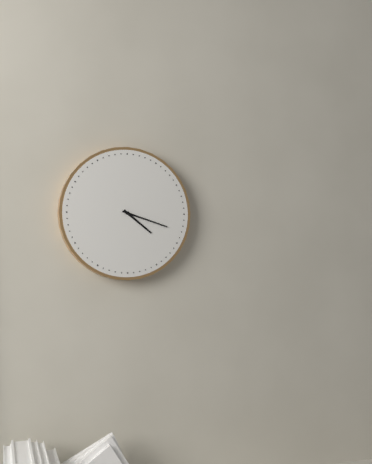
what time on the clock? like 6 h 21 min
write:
4 h 18 min
